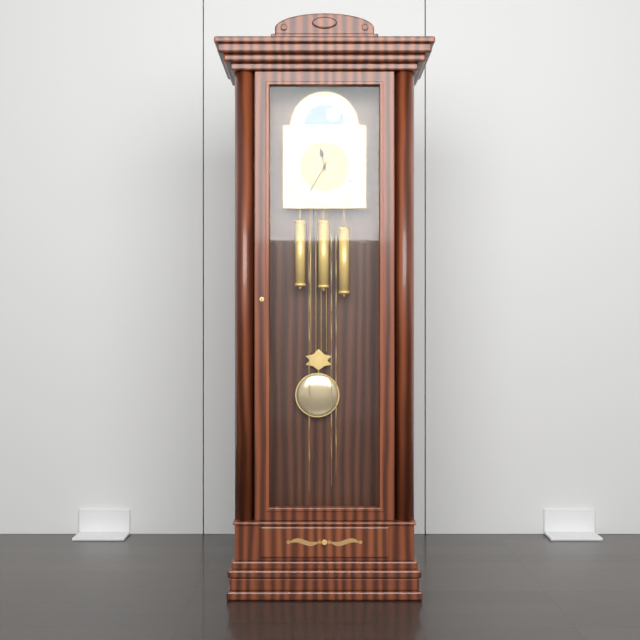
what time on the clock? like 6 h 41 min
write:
11 h 35 min
